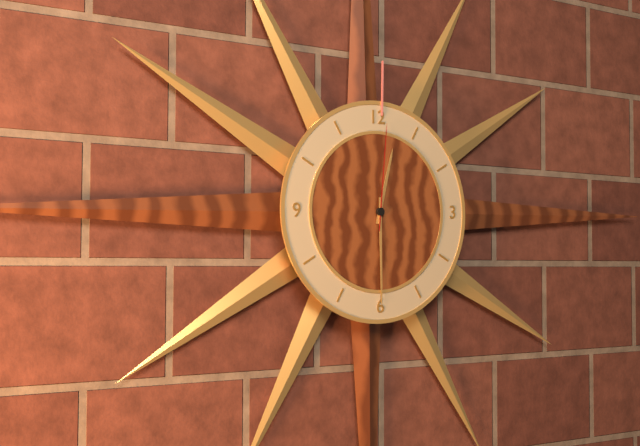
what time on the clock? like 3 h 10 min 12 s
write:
12 h 30 min 01 s
